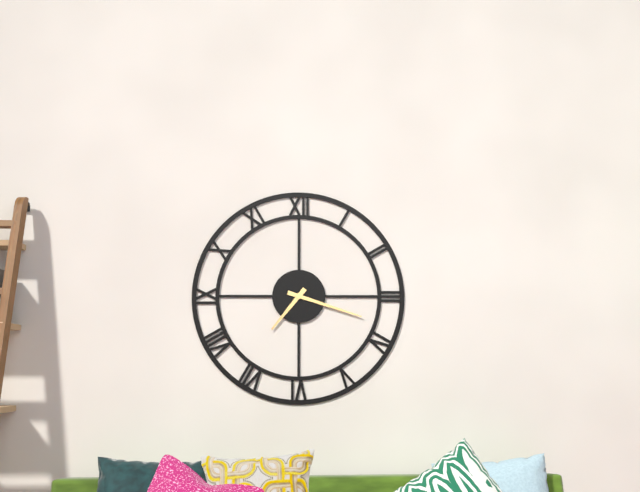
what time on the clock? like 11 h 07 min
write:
7 h 18 min
